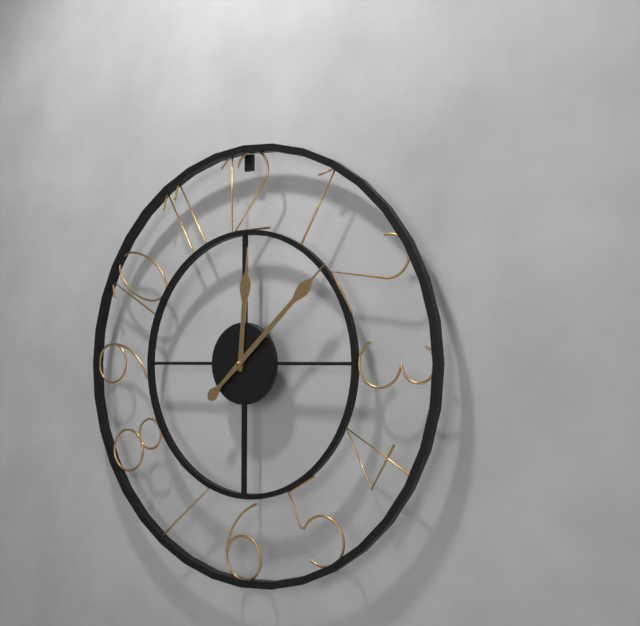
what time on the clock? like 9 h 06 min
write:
12 h 08 min
